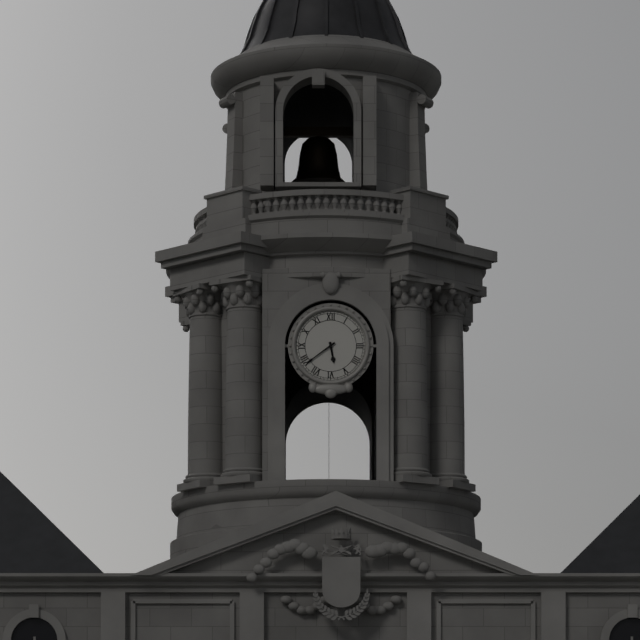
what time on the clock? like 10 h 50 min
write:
5 h 39 min
